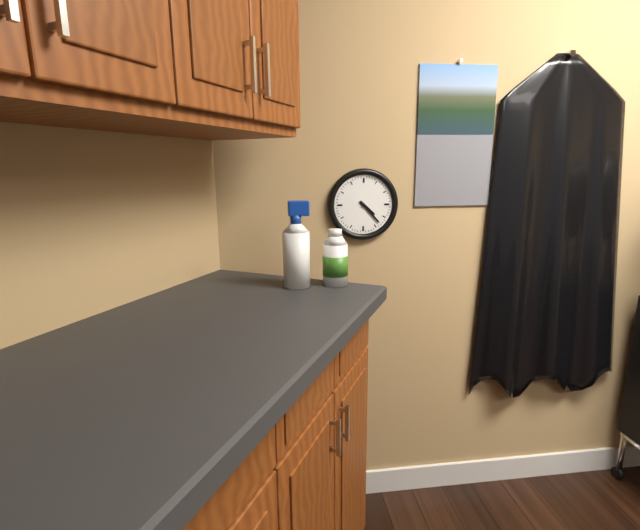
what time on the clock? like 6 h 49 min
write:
4 h 23 min
